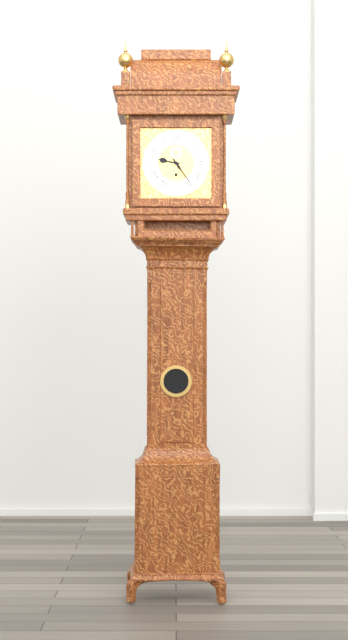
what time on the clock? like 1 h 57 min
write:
9 h 24 min
